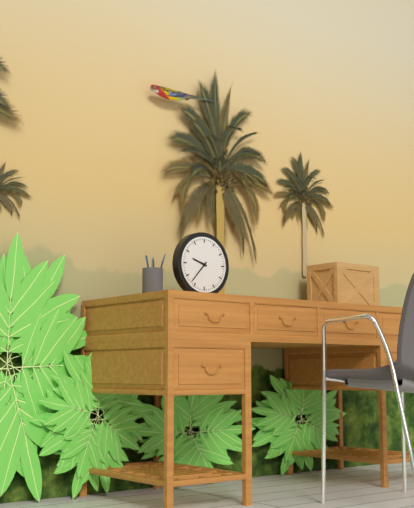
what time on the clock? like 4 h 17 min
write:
9 h 37 min
